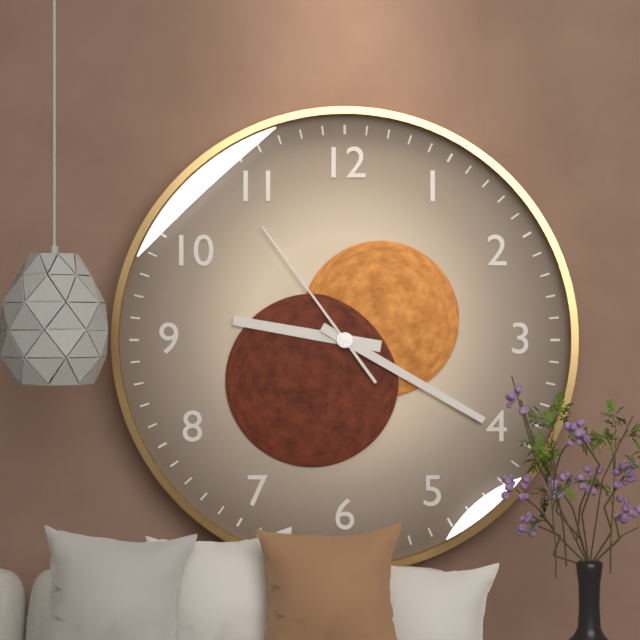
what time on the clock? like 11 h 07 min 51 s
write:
9 h 20 min 54 s
